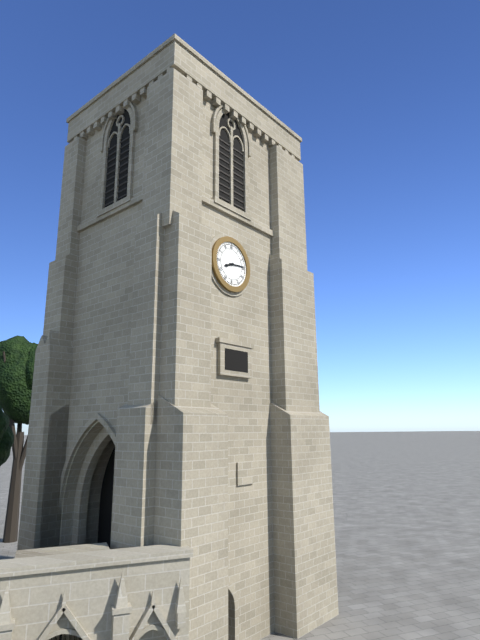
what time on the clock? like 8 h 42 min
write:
8 h 14 min
